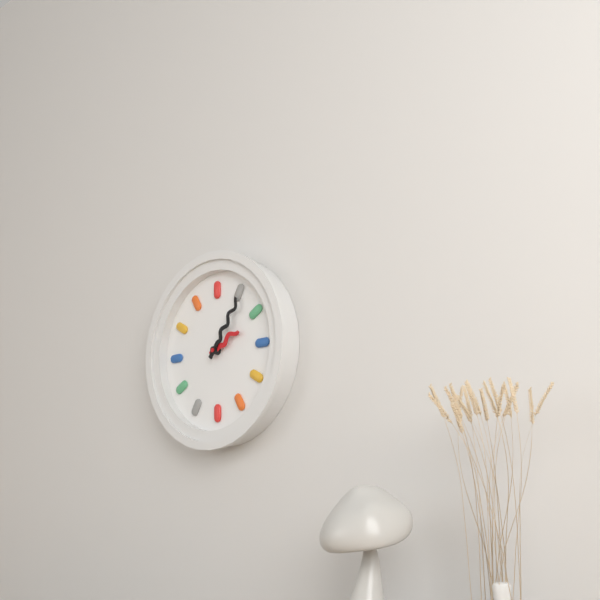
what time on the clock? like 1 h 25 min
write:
2 h 06 min
